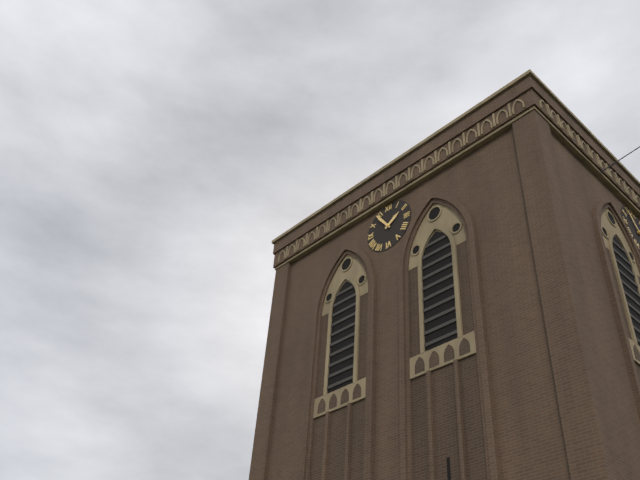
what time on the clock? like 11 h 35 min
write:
1 h 54 min
